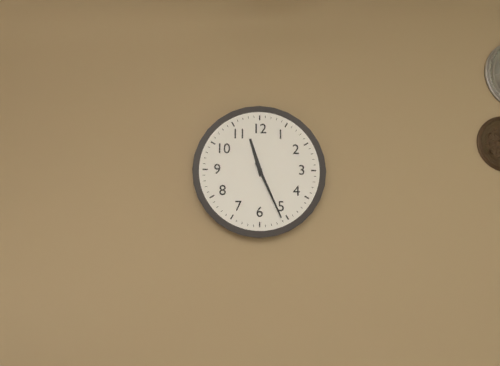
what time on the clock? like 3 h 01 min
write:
11 h 26 min
